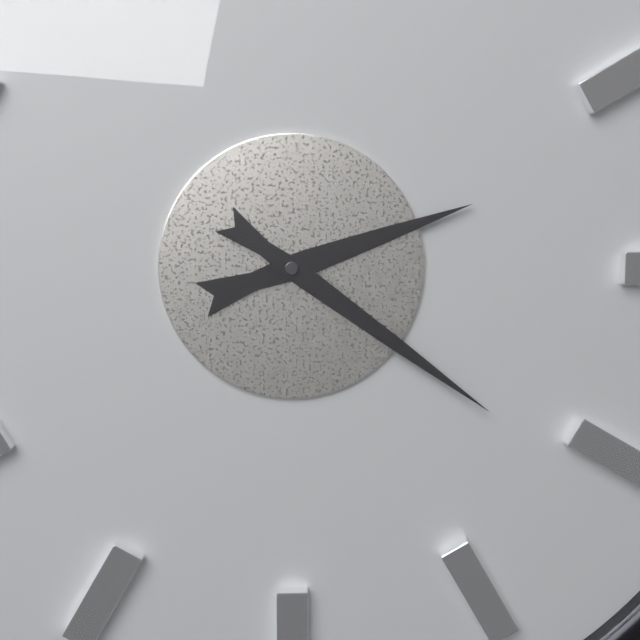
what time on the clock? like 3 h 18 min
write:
2 h 21 min
